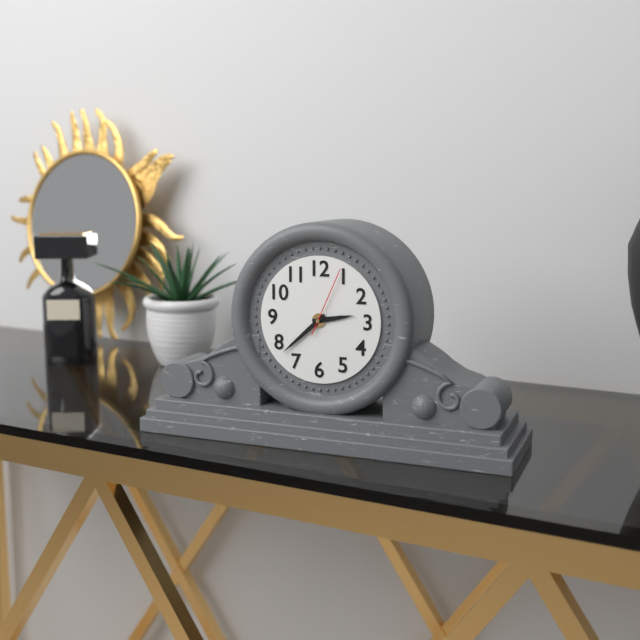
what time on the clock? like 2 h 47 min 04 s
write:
2 h 38 min 04 s
